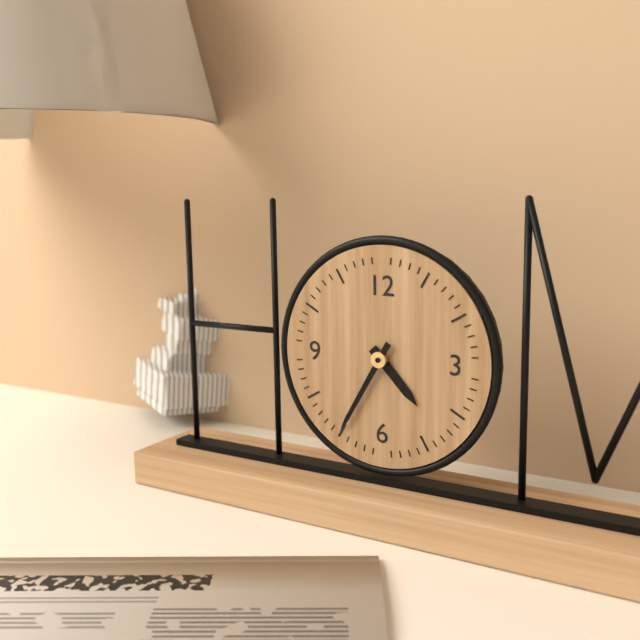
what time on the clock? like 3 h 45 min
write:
4 h 35 min
